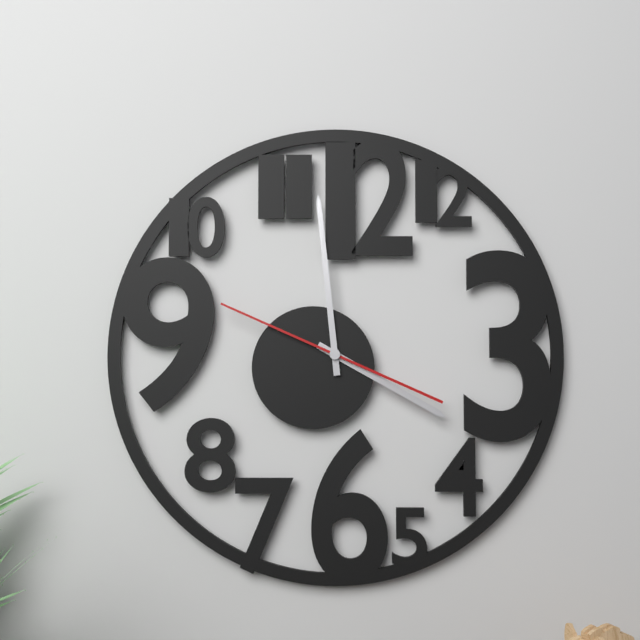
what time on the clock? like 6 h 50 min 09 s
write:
3 h 59 min 49 s
